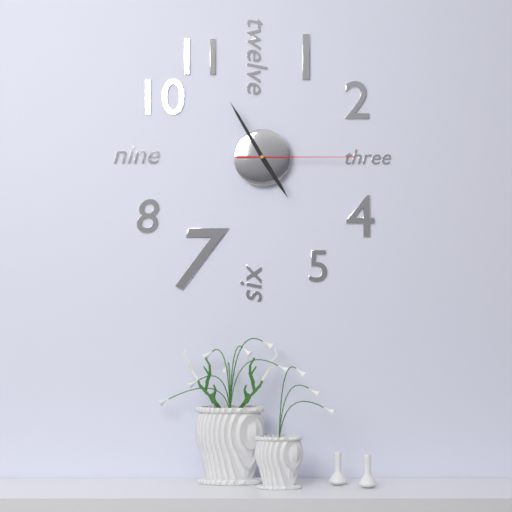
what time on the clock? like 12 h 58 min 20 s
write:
4 h 55 min 15 s
